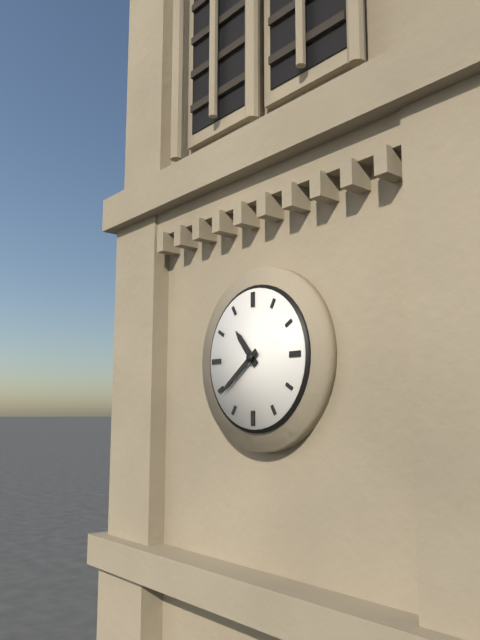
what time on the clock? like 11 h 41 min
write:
10 h 39 min
